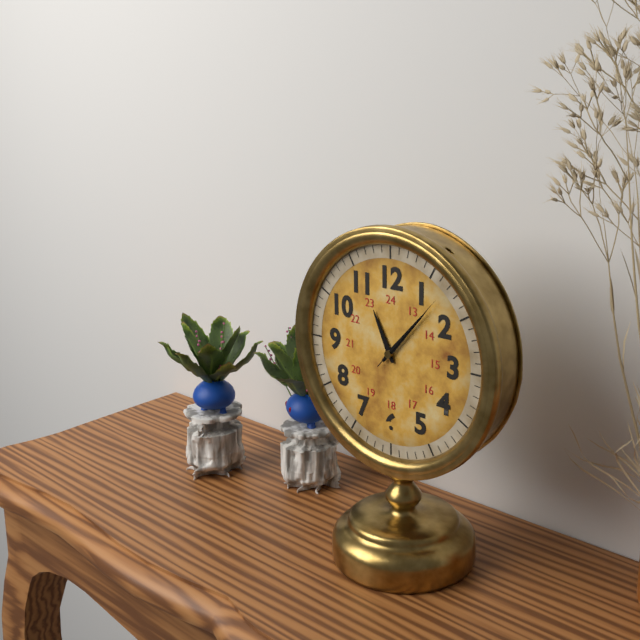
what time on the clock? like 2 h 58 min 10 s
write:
11 h 07 min 07 s
